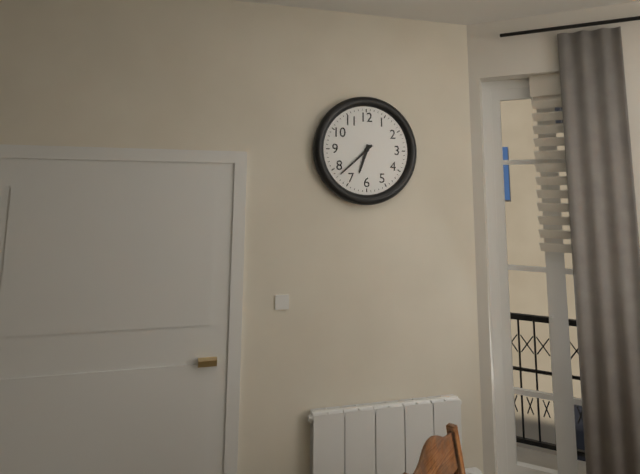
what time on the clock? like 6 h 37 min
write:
6 h 38 min
